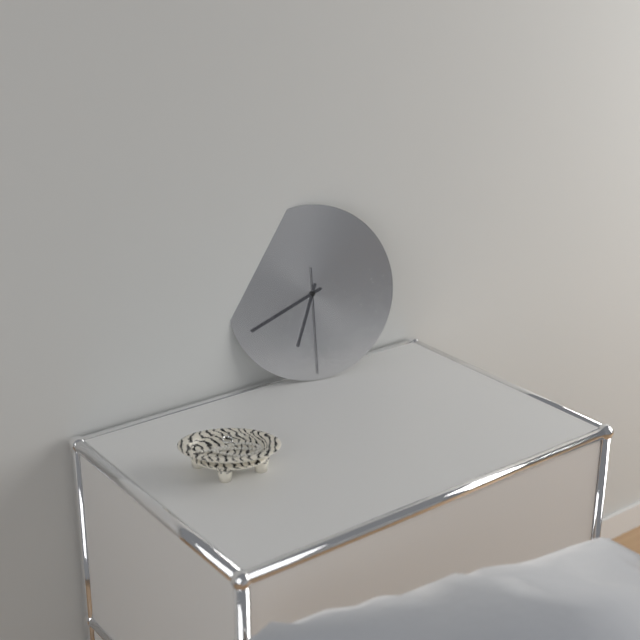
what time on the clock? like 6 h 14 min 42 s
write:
6 h 41 min 30 s
